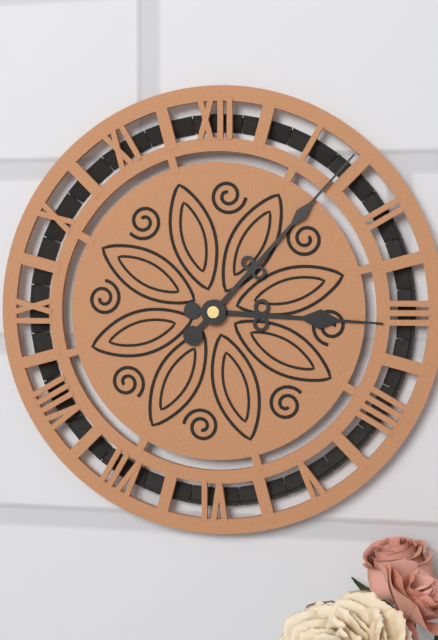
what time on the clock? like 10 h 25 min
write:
3 h 07 min
